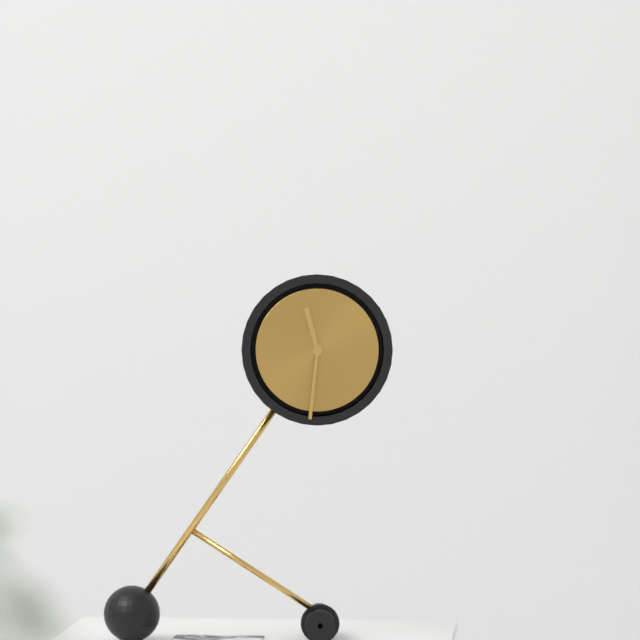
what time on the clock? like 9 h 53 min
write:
11 h 31 min
